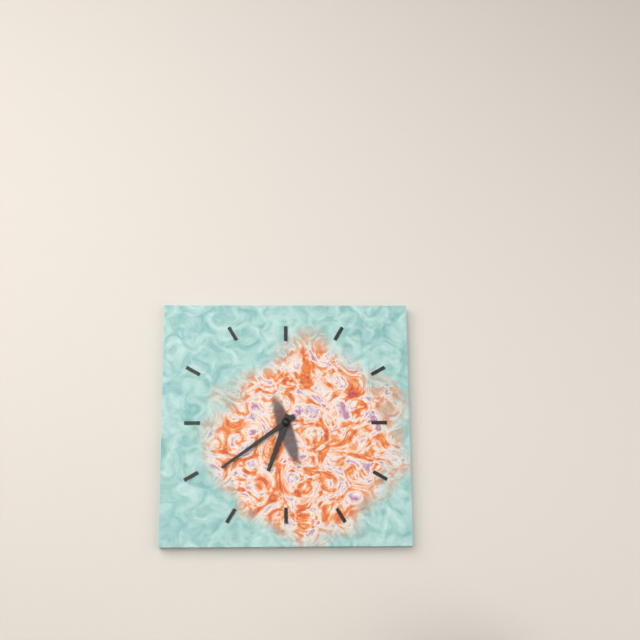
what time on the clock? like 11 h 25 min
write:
6 h 39 min
